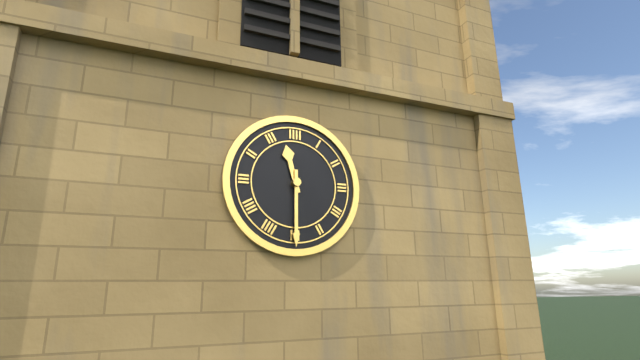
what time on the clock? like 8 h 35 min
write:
11 h 30 min
